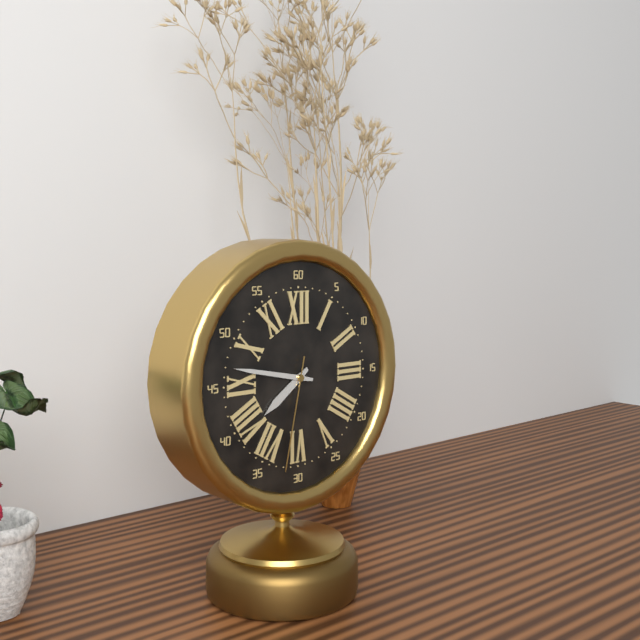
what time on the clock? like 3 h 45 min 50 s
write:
7 h 47 min 32 s
